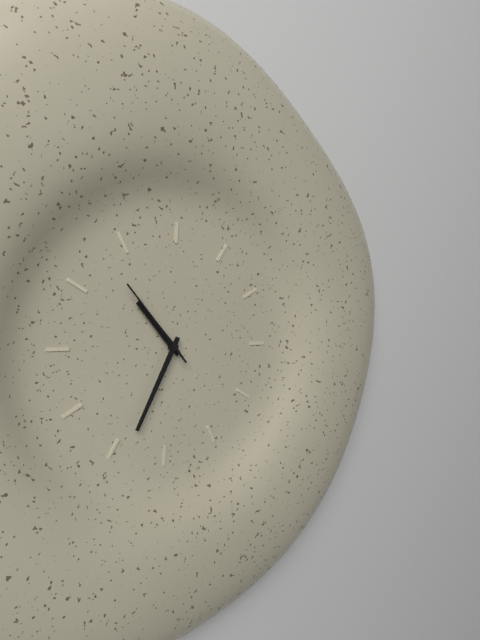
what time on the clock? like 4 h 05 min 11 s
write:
10 h 34 min 53 s
